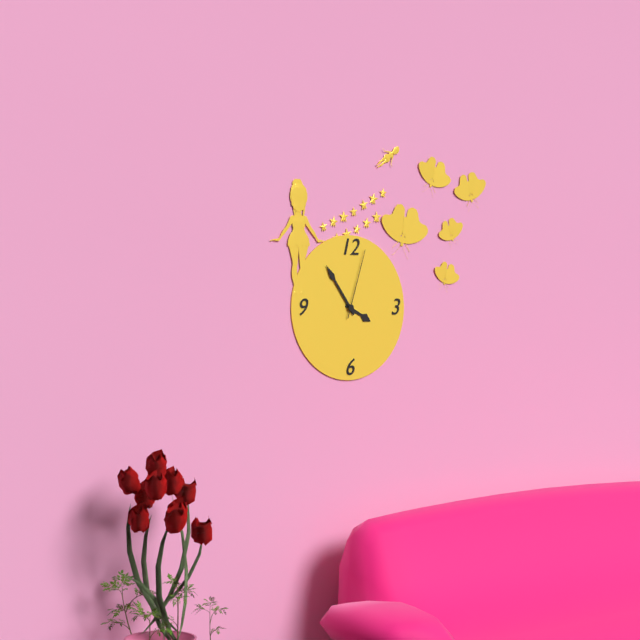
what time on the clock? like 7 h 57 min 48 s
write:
3 h 54 min 03 s
